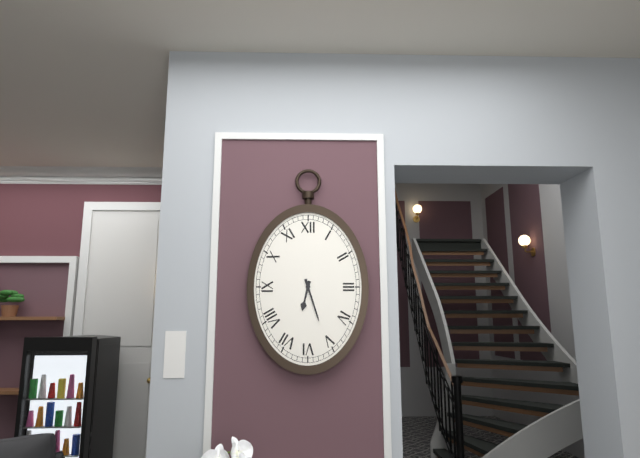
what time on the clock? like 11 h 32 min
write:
6 h 27 min
